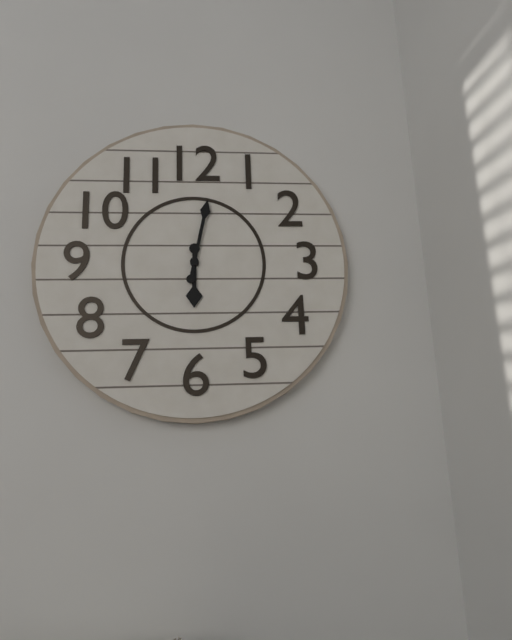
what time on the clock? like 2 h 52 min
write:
6 h 02 min
